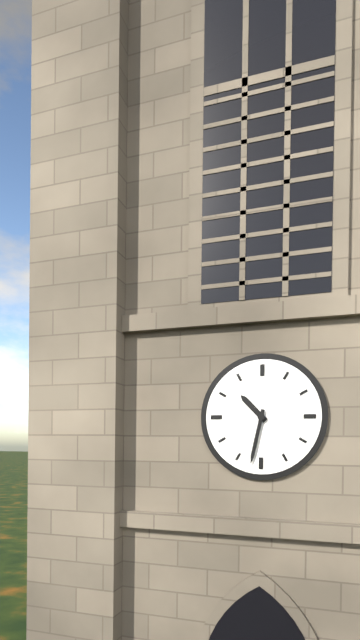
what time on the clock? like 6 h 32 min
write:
10 h 32 min
